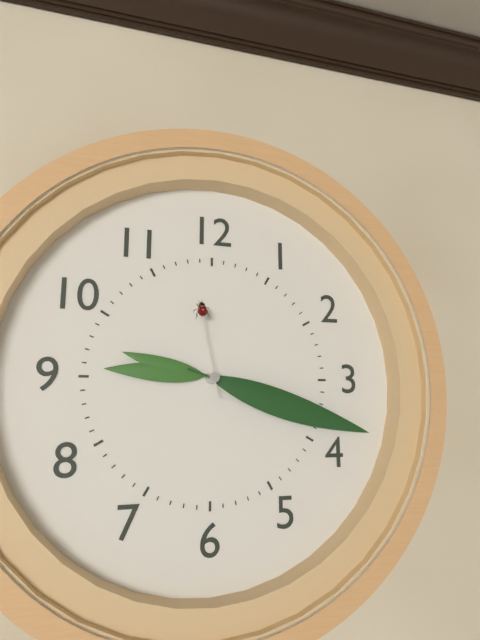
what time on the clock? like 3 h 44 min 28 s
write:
9 h 18 min 58 s
